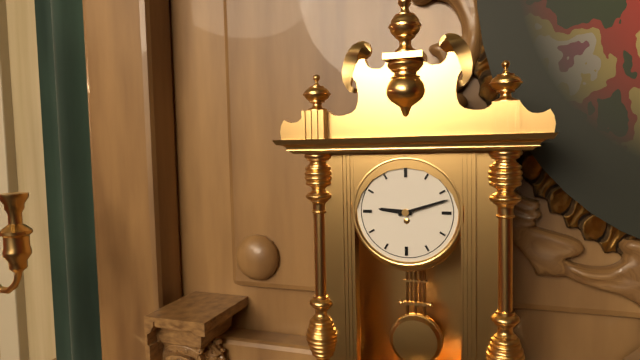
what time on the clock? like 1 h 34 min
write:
9 h 12 min
